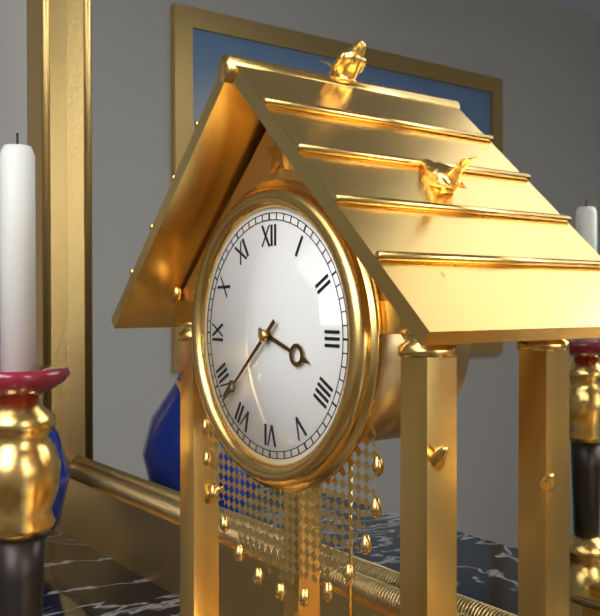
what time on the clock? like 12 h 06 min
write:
3 h 38 min
